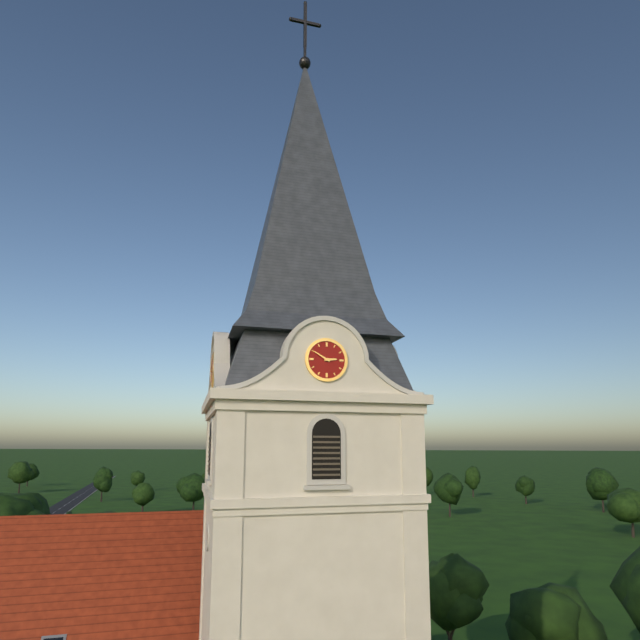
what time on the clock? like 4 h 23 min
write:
2 h 50 min
